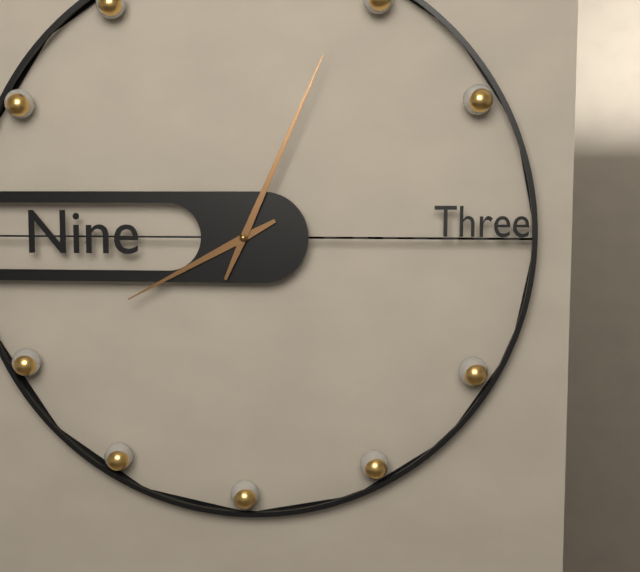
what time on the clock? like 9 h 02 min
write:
8 h 04 min
